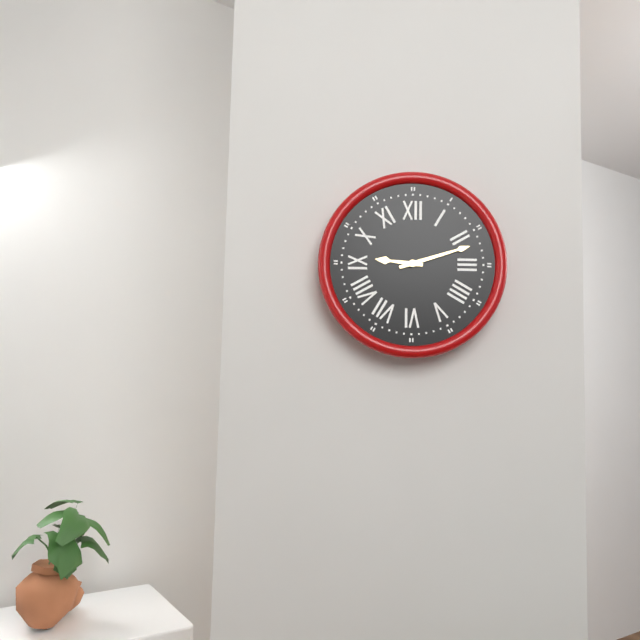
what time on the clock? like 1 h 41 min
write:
9 h 12 min
